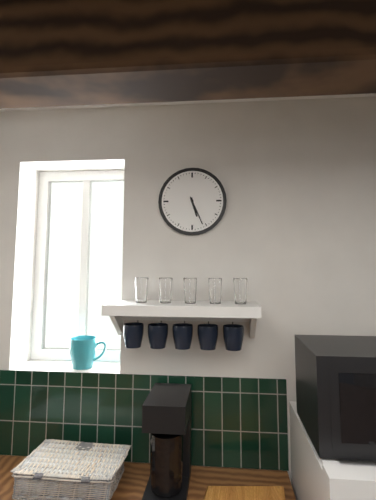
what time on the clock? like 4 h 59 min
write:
5 h 26 min
